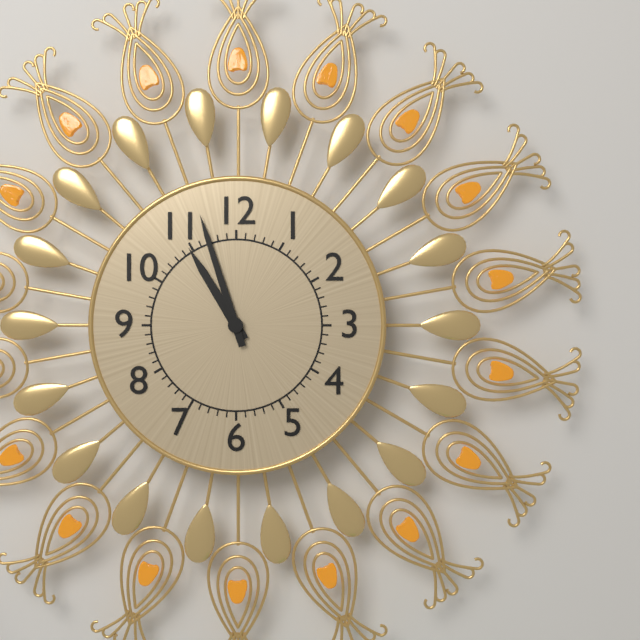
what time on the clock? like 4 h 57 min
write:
10 h 57 min
